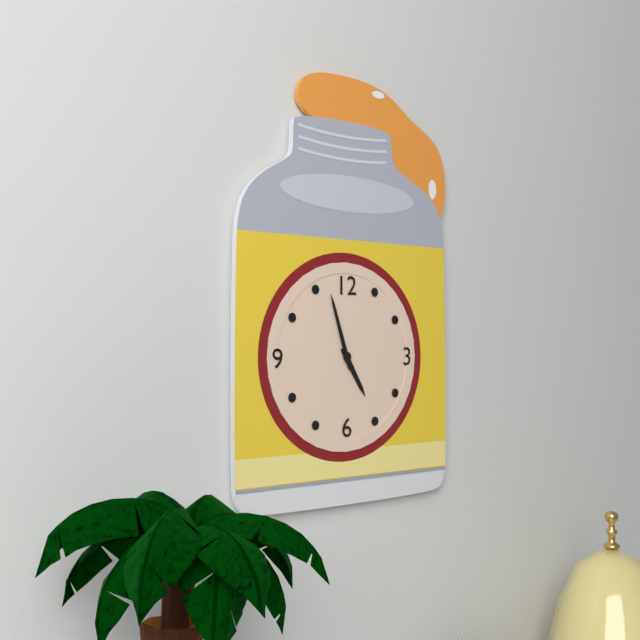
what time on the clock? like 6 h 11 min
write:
4 h 57 min
